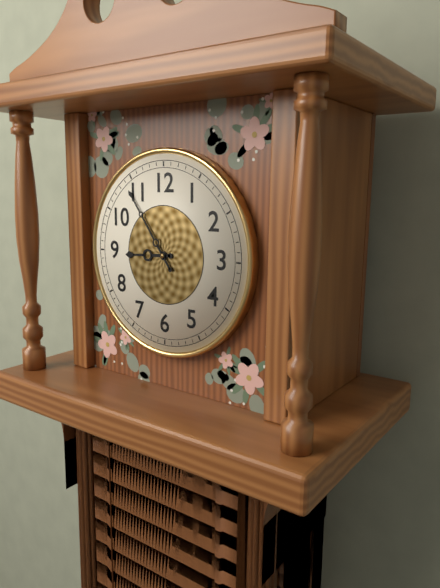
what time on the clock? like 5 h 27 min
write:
8 h 54 min
